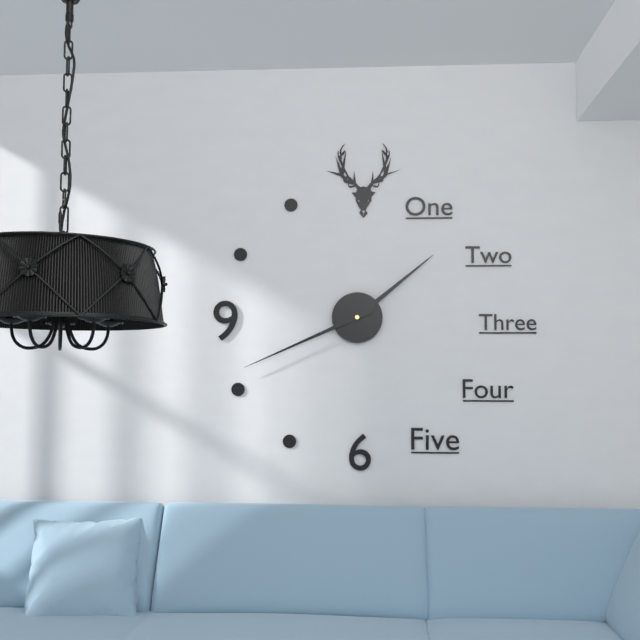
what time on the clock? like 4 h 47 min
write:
1 h 41 min
